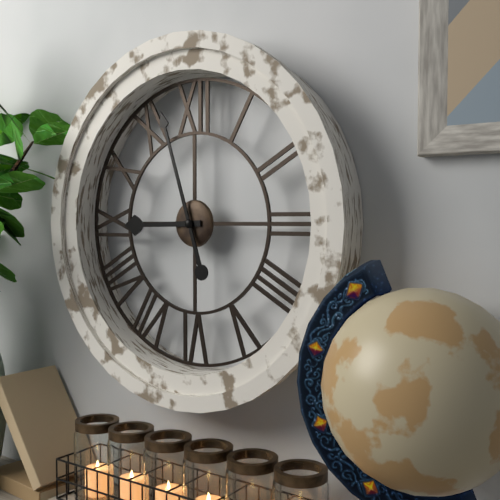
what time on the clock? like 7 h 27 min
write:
8 h 57 min
